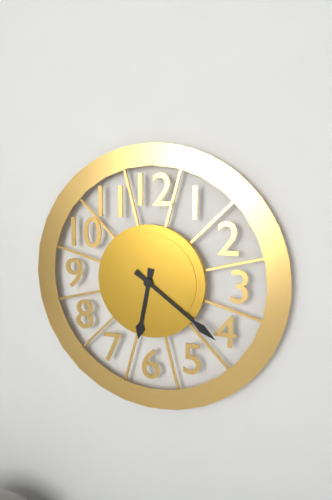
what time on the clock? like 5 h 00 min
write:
6 h 21 min
